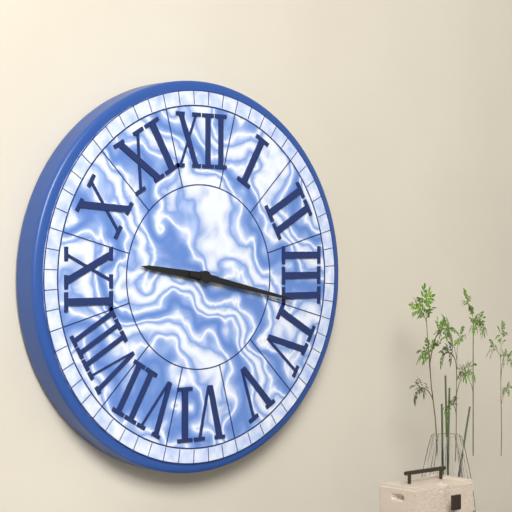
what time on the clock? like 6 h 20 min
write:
9 h 17 min
